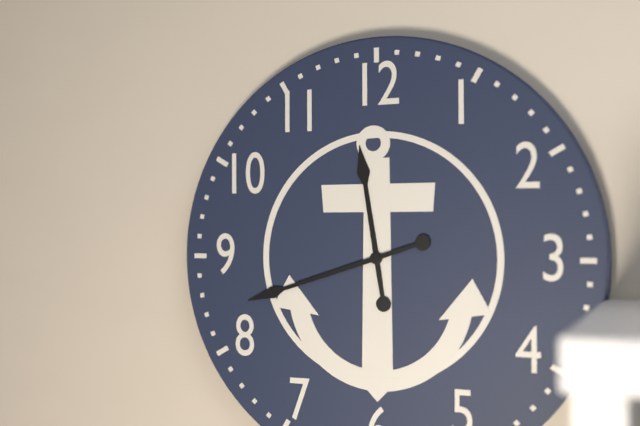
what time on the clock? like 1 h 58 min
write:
11 h 42 min
